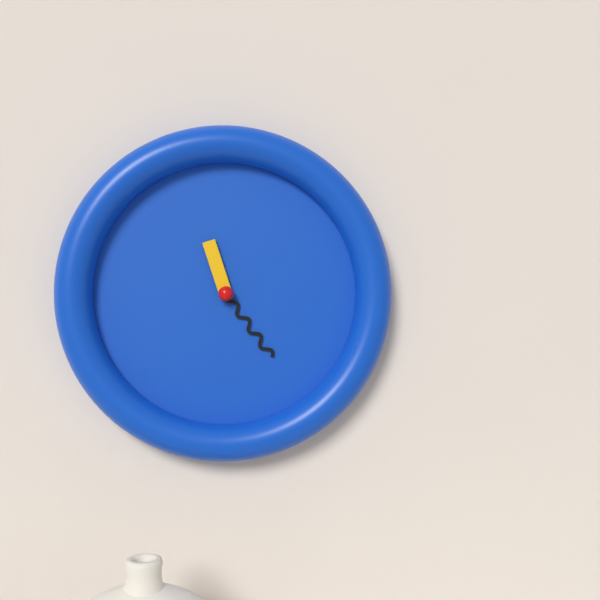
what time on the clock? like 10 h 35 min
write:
11 h 24 min
